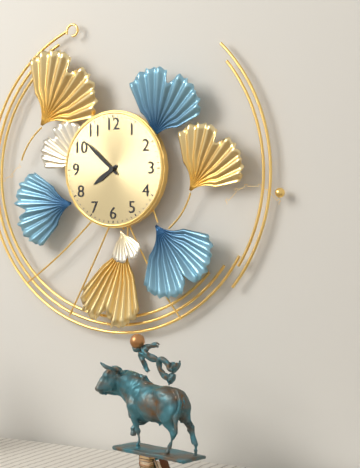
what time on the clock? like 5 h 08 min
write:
7 h 52 min
